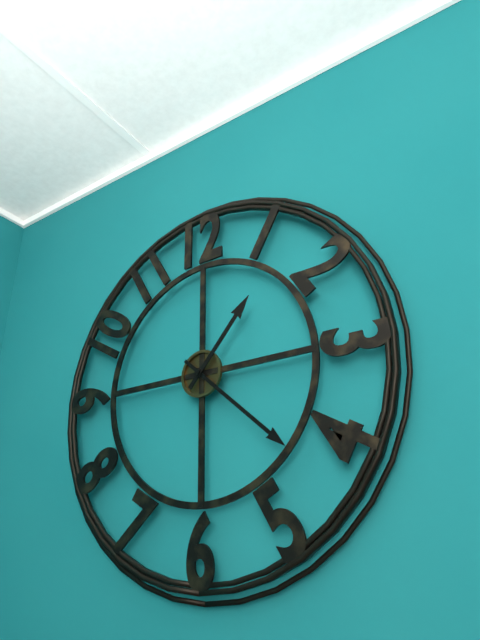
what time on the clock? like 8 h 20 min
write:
1 h 22 min
